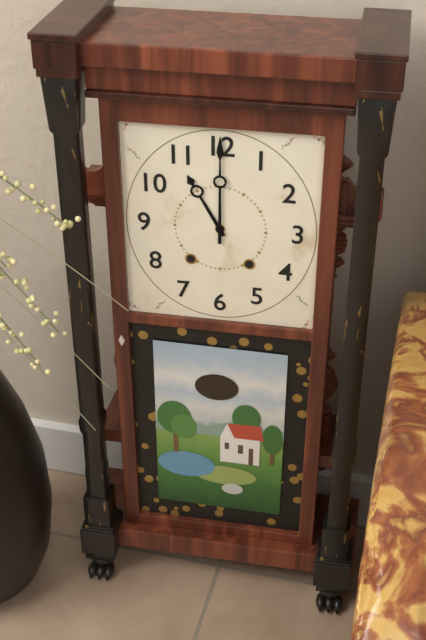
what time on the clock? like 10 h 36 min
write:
11 h 00 min
